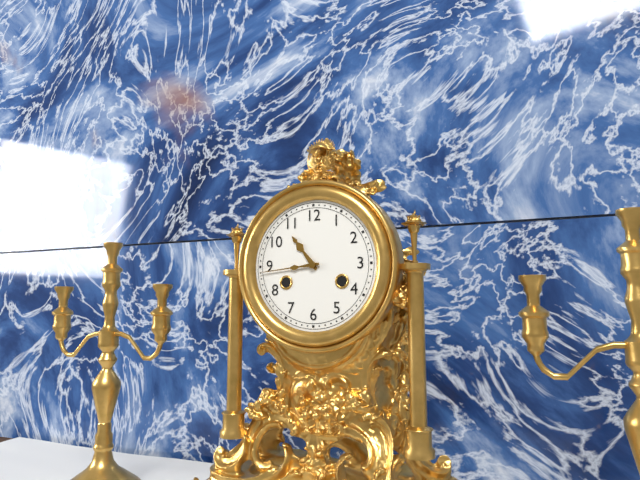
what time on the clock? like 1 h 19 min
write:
10 h 44 min
